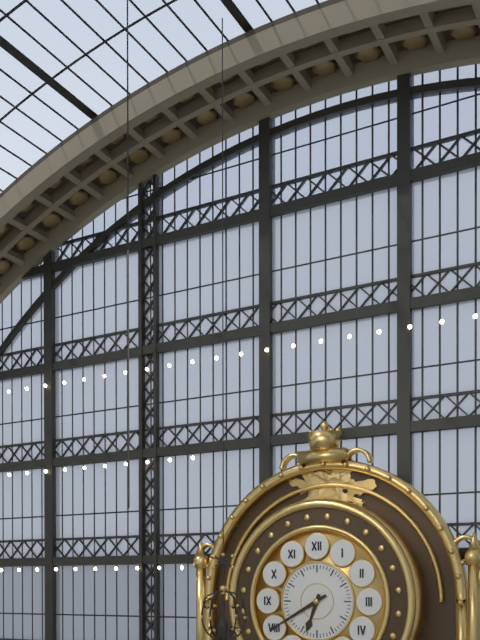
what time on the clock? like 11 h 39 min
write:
6 h 40 min
